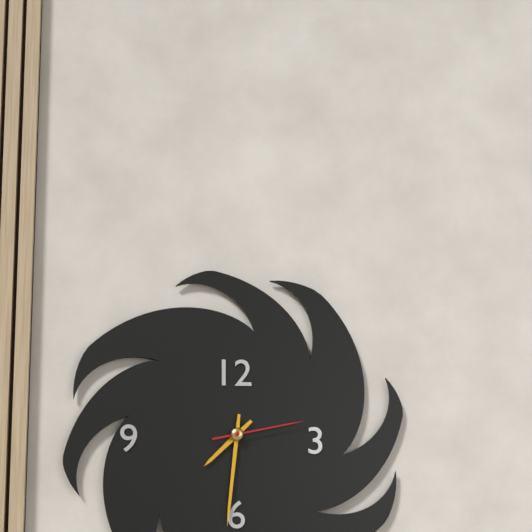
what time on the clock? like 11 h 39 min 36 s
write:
7 h 31 min 13 s
